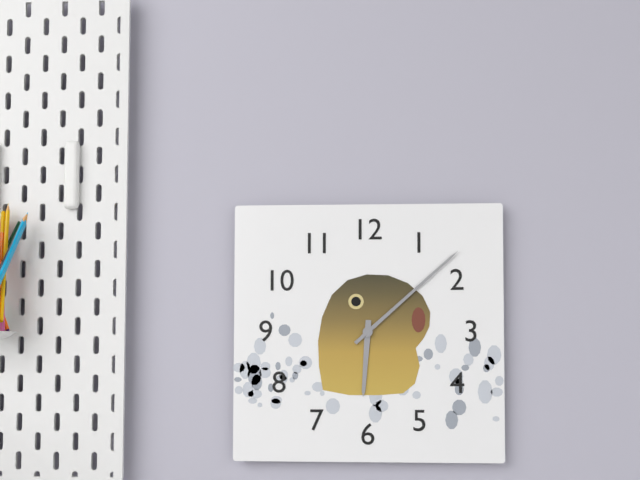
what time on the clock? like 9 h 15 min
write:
6 h 08 min
